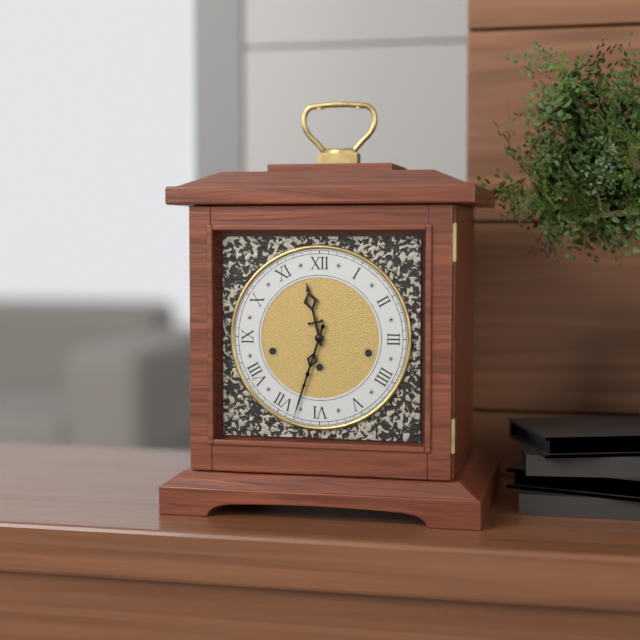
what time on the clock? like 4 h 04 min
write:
11 h 33 min
